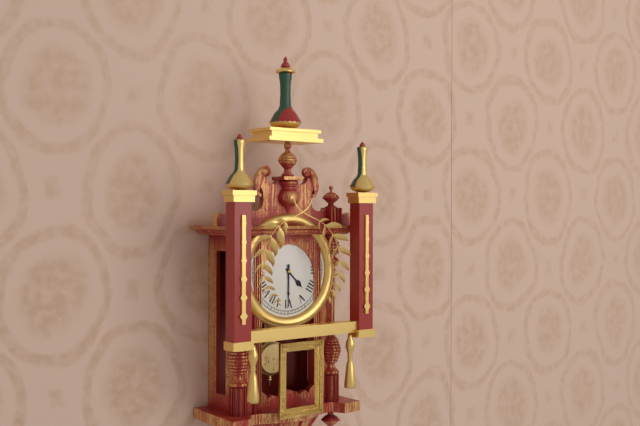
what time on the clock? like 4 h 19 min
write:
4 h 30 min
